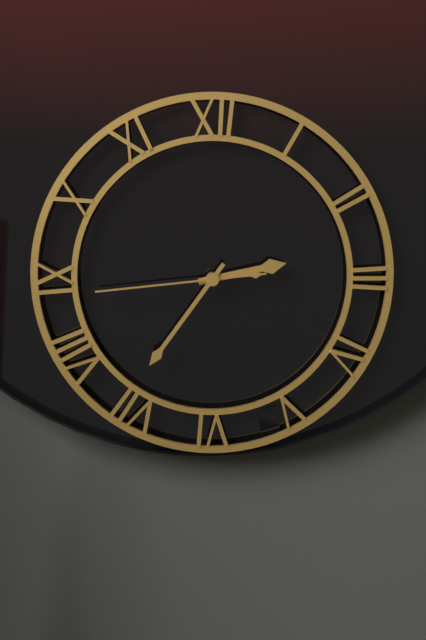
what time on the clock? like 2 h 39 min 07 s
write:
2 h 36 min 44 s
